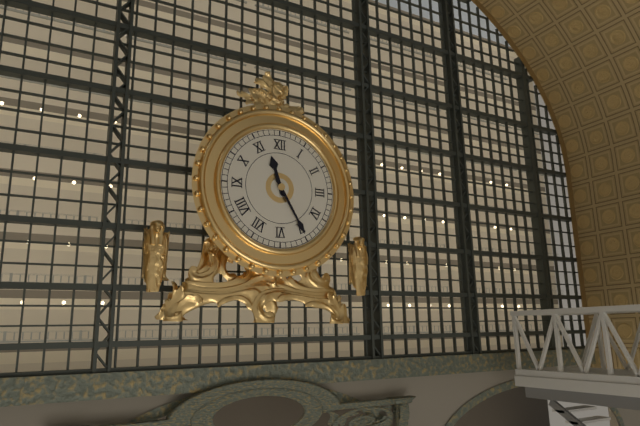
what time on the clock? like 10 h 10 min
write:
11 h 25 min
